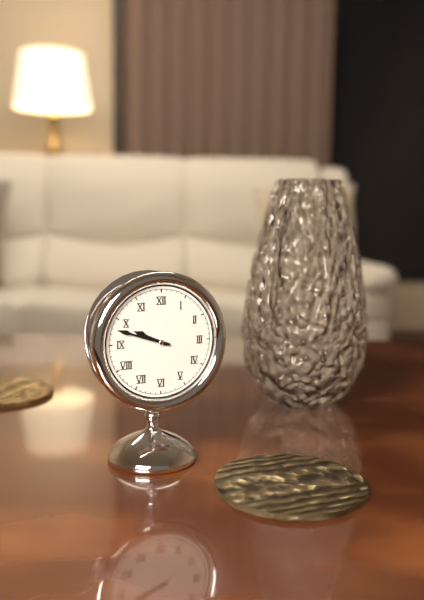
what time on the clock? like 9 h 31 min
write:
9 h 48 min
